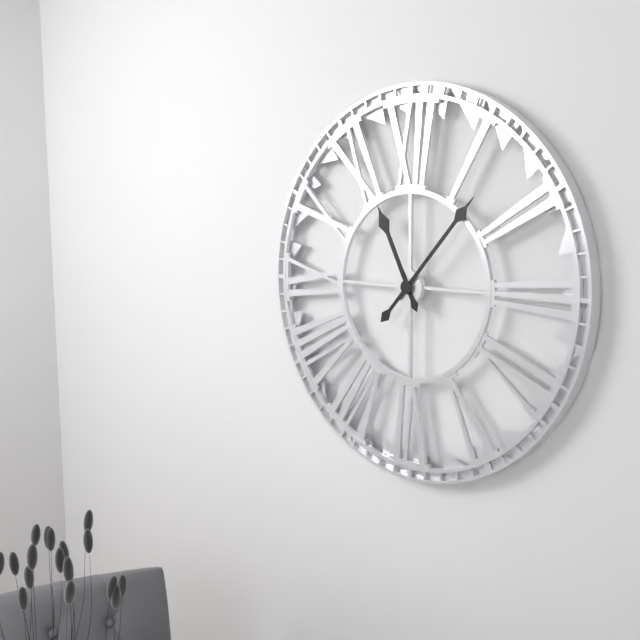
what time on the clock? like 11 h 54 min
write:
11 h 07 min
